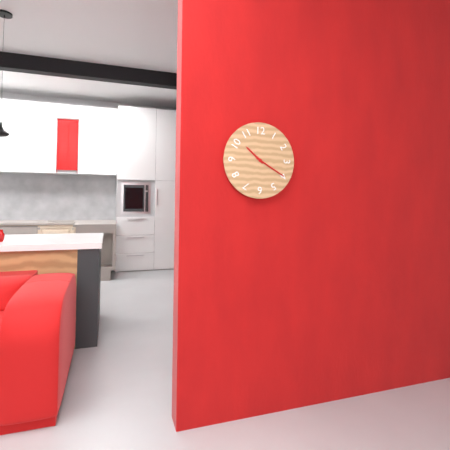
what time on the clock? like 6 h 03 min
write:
10 h 20 min
